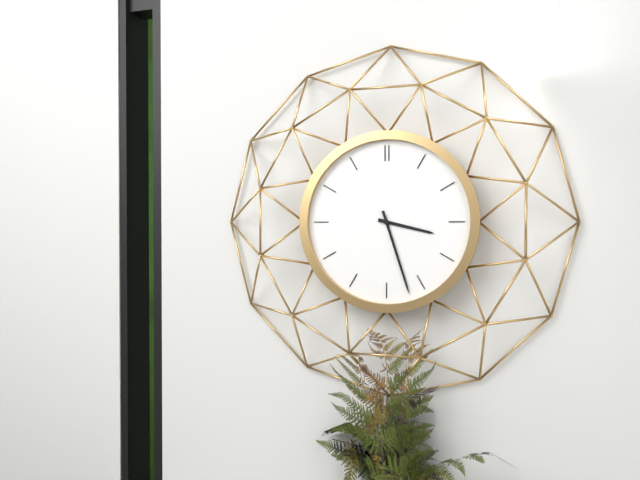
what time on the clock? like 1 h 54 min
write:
3 h 27 min
